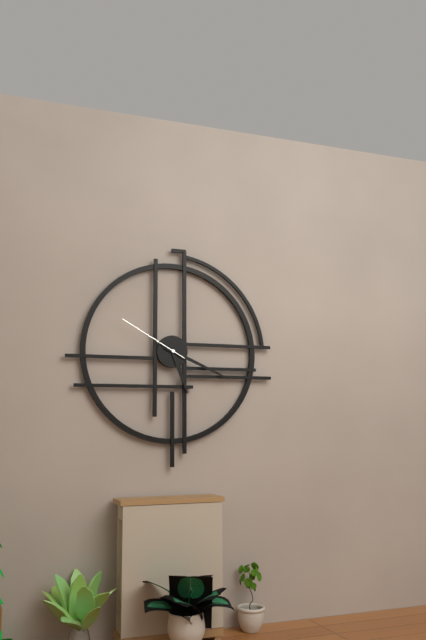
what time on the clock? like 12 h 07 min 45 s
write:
5 h 19 min 50 s
